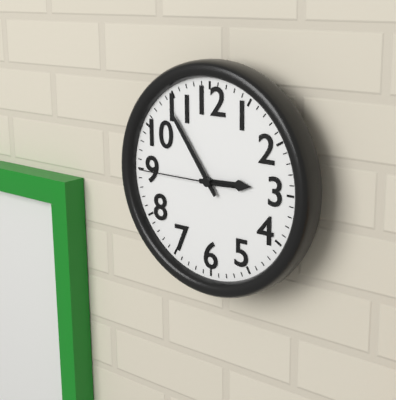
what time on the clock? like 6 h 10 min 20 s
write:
2 h 54 min 45 s
